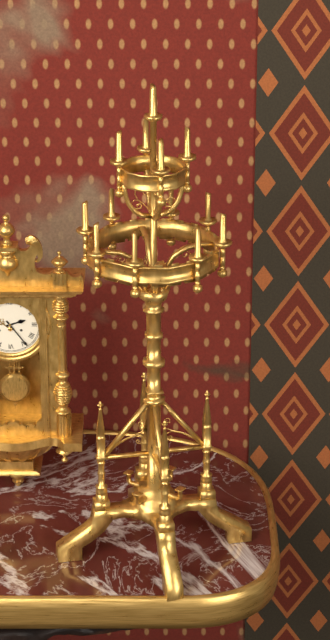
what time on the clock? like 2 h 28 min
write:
2 h 24 min
